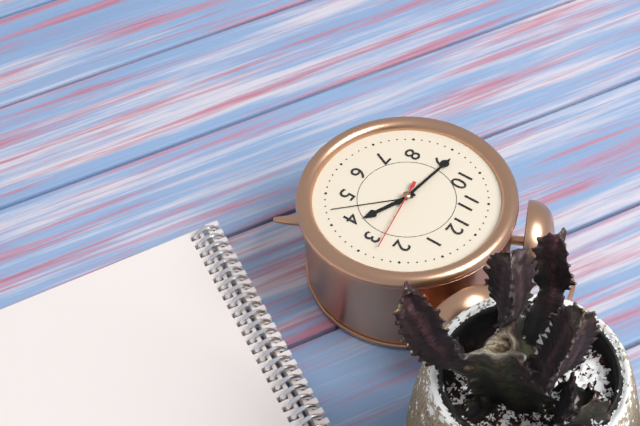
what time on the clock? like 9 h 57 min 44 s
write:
3 h 46 min 13 s
